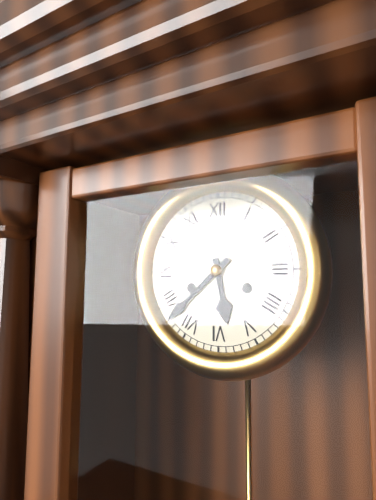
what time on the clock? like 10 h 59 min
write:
5 h 38 min
